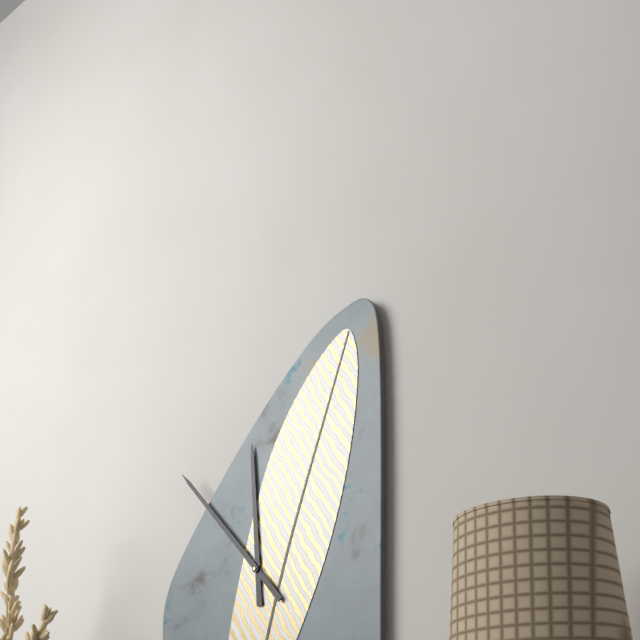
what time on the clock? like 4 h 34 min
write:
11 h 53 min
